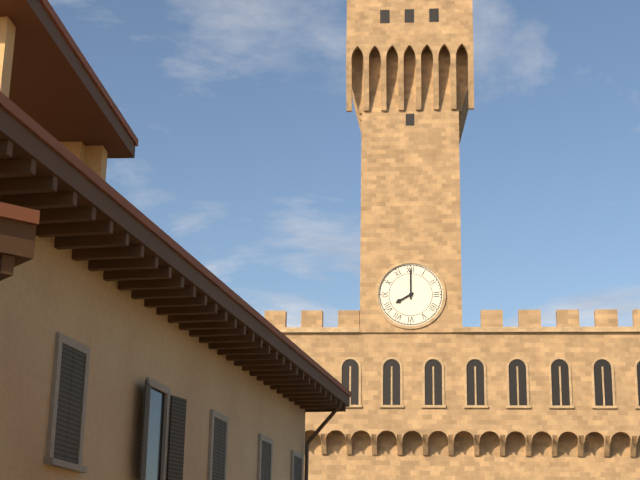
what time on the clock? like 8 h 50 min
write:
8 h 00 min
